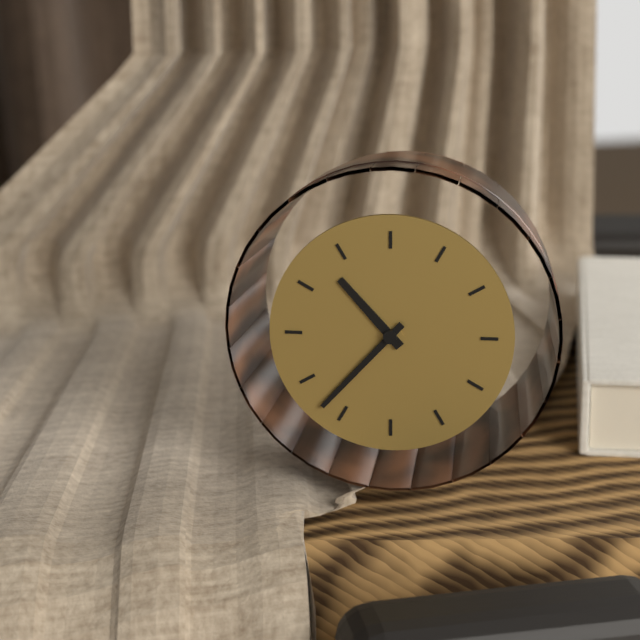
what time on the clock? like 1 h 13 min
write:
10 h 37 min
